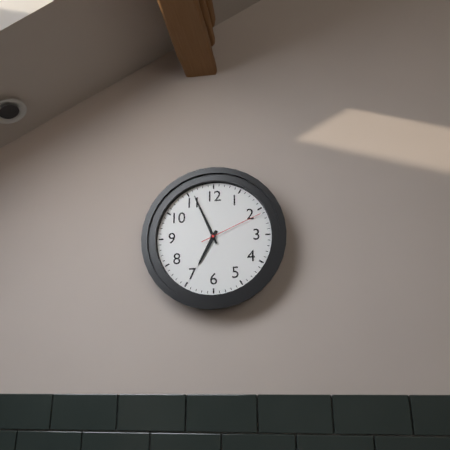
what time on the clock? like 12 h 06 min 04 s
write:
6 h 56 min 11 s
